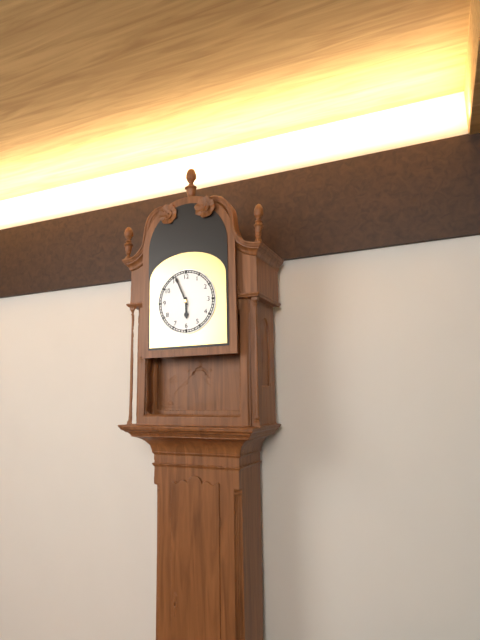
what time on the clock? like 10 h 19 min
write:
5 h 56 min
